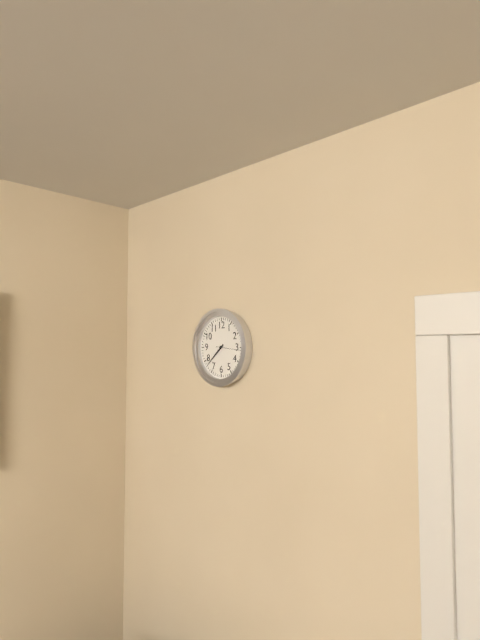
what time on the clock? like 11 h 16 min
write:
7 h 38 min
